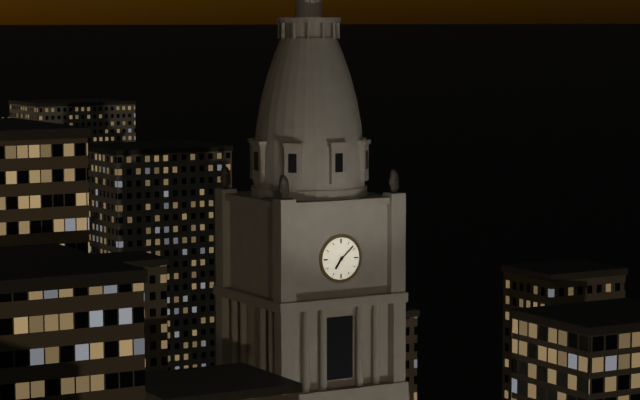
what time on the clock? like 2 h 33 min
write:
7 h 08 min
